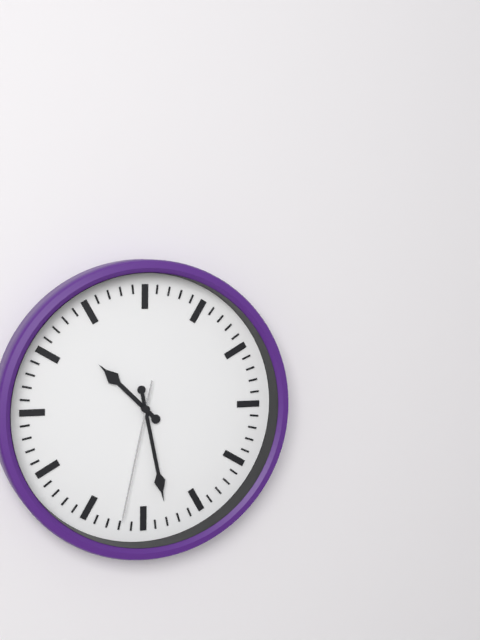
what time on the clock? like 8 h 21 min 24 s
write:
10 h 28 min 32 s
